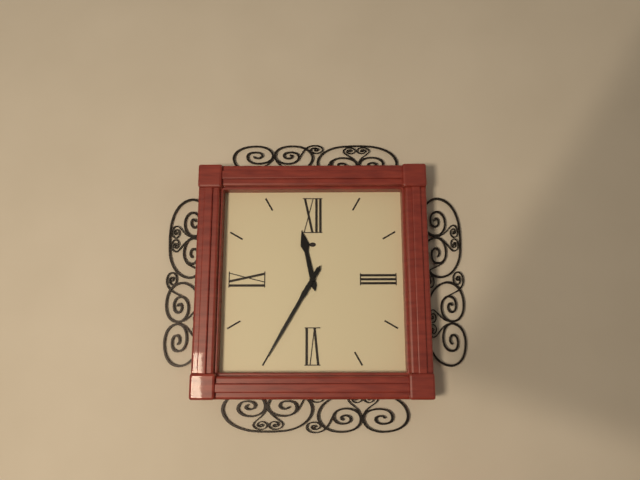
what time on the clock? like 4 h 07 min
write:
11 h 35 min
